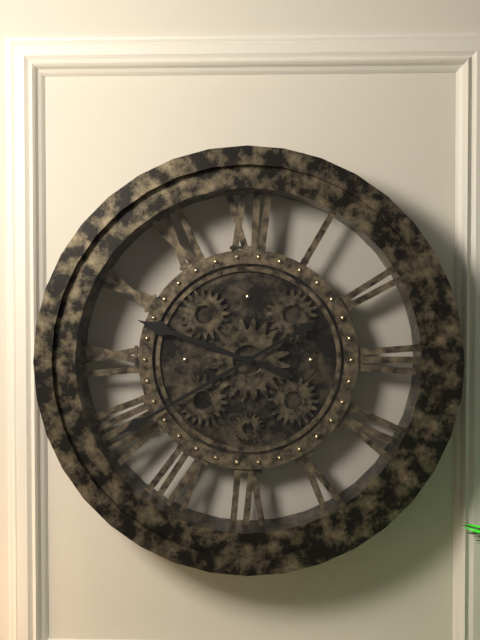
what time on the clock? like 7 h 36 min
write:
9 h 40 min
